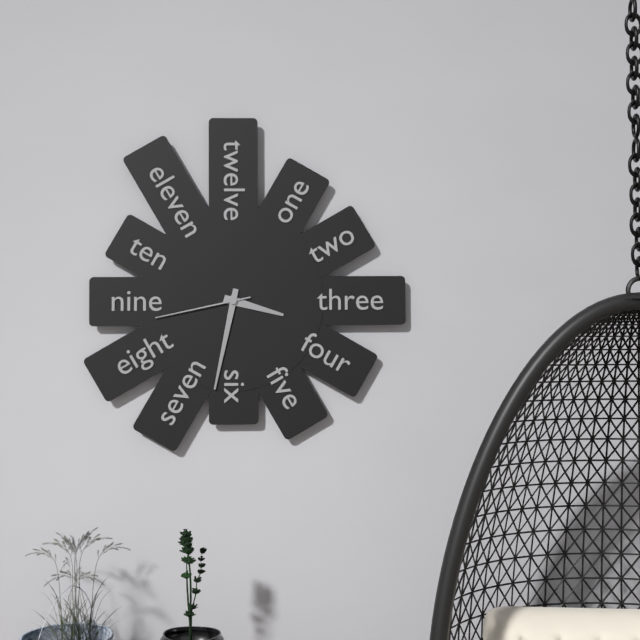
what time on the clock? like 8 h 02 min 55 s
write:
3 h 32 min 43 s
